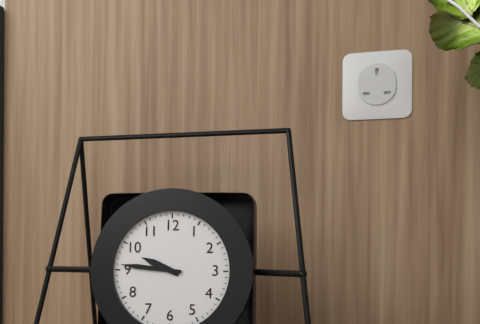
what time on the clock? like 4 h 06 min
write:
9 h 46 min
